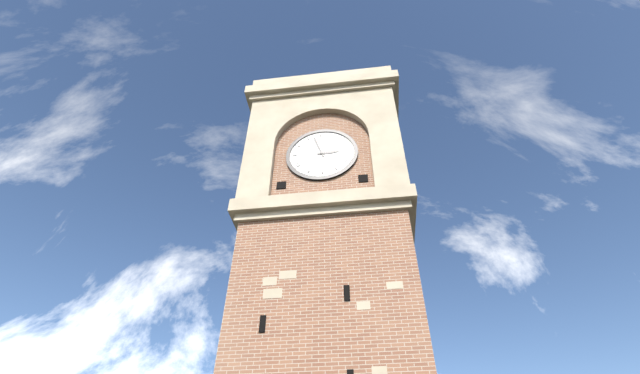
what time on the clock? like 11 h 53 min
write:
2 h 57 min
